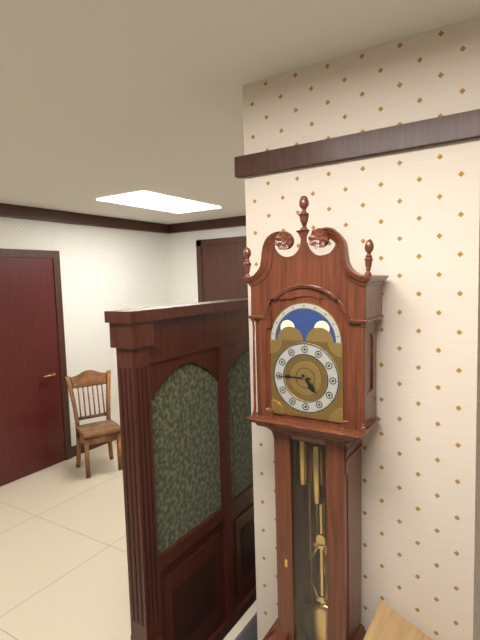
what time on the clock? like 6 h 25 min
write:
4 h 45 min
